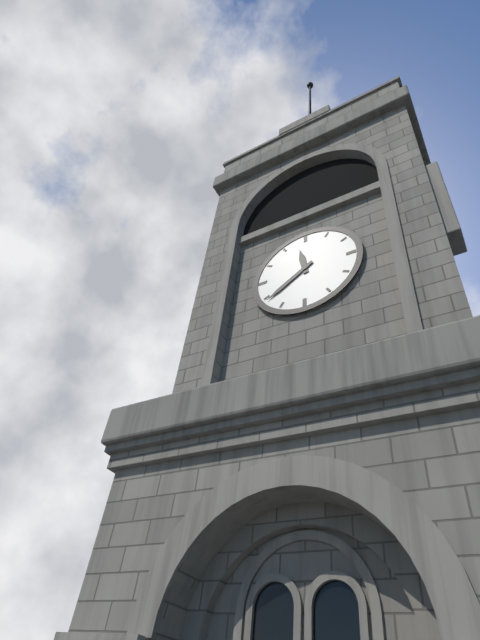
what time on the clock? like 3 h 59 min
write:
11 h 39 min
